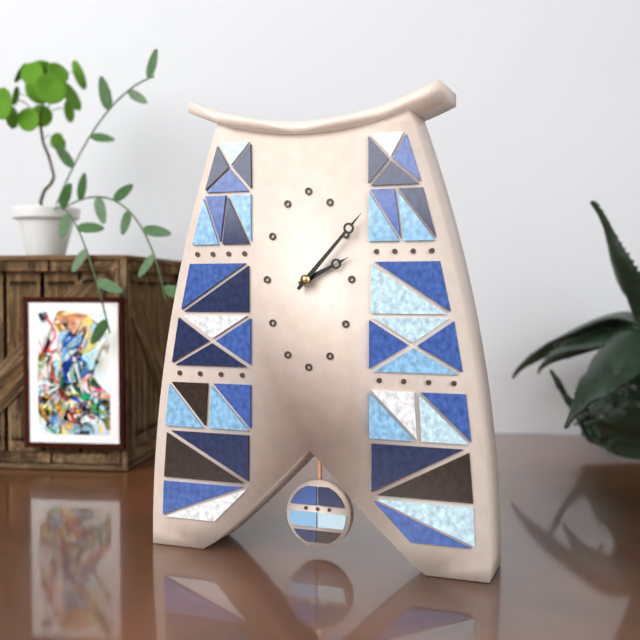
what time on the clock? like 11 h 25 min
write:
2 h 07 min
